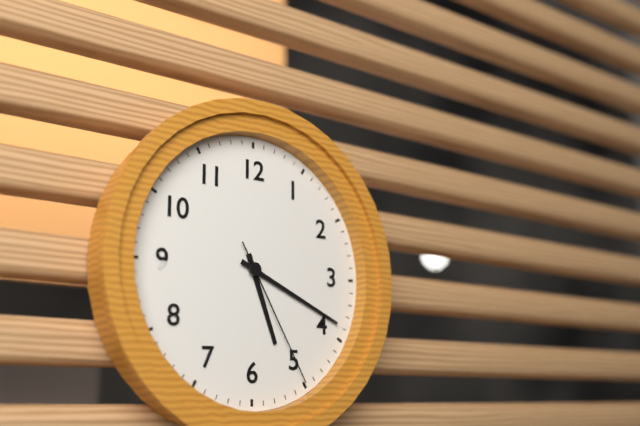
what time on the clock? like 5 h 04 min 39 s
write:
5 h 19 min 25 s
